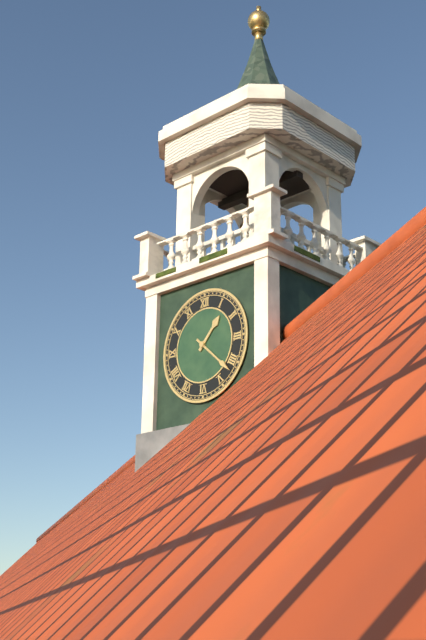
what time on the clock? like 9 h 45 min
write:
1 h 22 min
